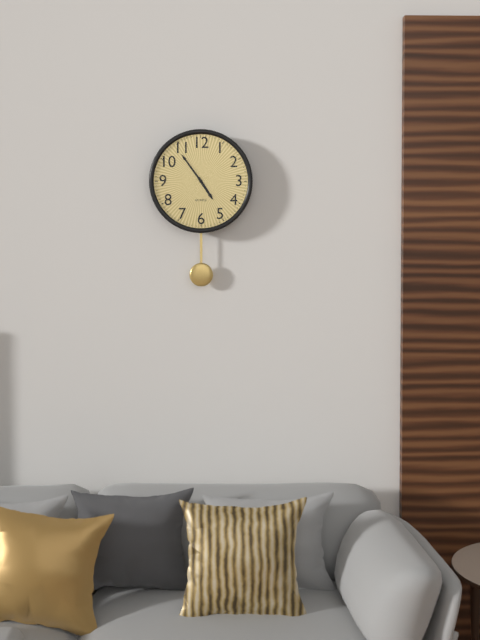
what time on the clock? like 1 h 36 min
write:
4 h 54 min
